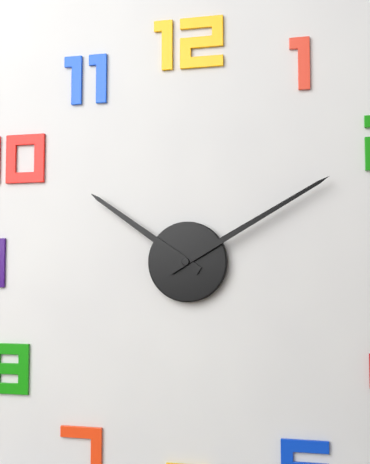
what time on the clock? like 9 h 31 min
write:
10 h 10 min
